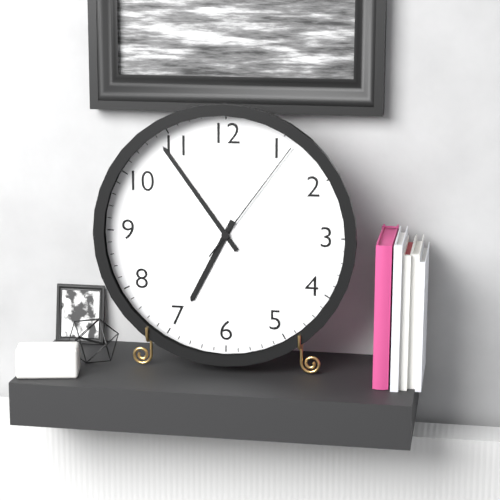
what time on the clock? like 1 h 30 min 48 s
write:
6 h 54 min 06 s
